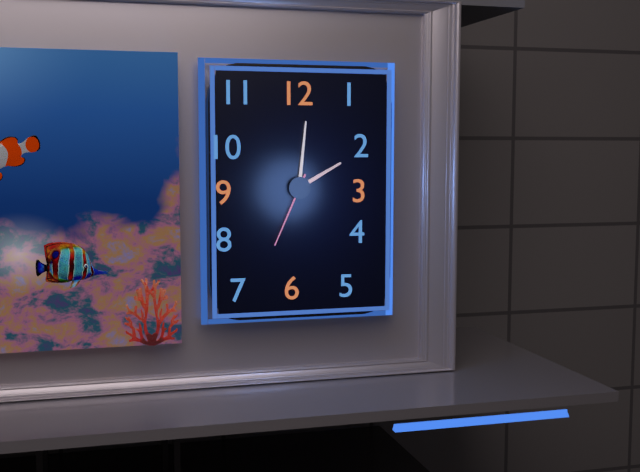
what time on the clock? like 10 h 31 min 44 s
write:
2 h 01 min 34 s
